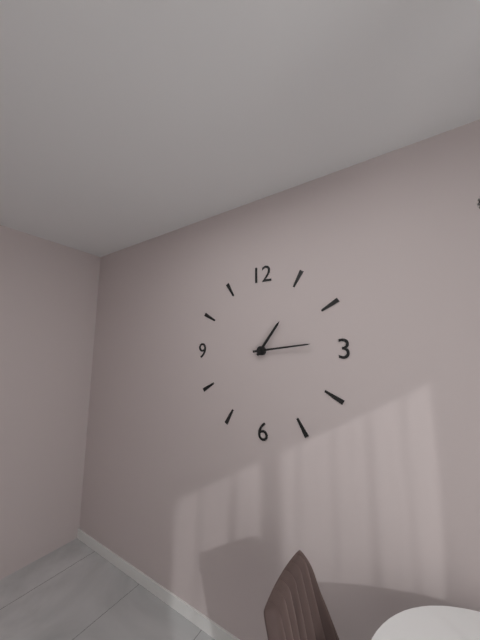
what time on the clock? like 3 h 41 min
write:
1 h 14 min
